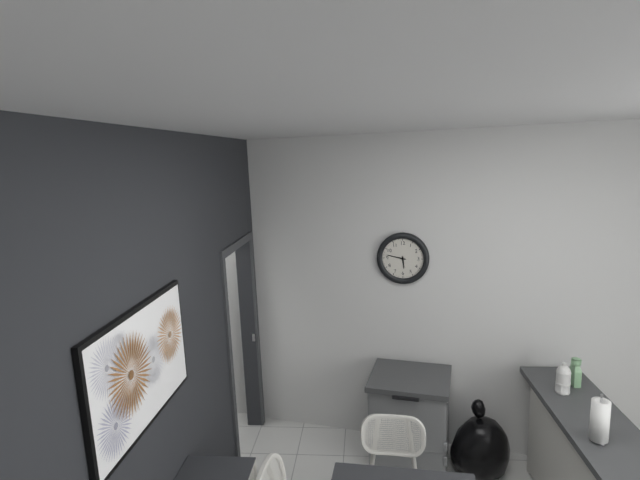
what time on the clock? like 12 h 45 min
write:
5 h 47 min
